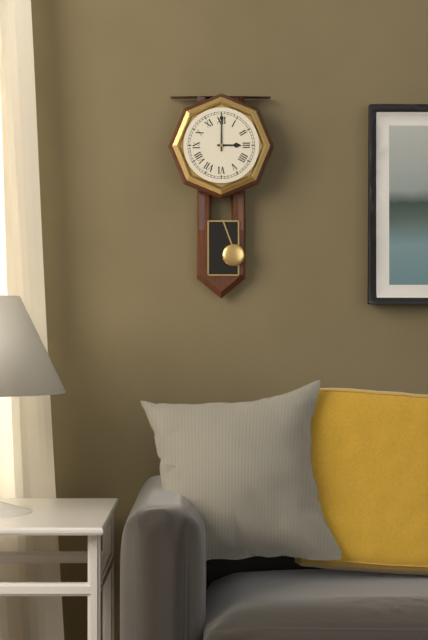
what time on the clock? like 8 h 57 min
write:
3 h 00 min
